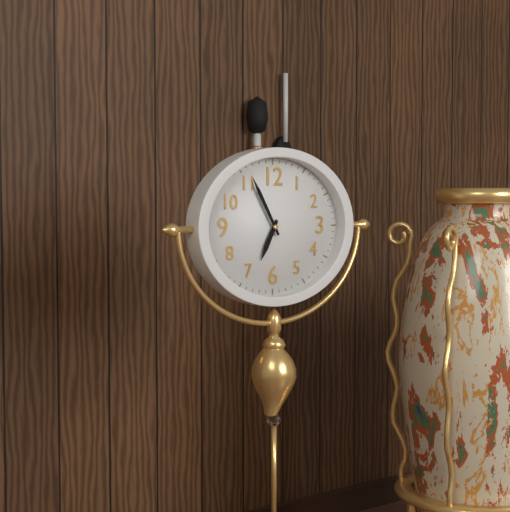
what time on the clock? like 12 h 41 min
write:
6 h 55 min
